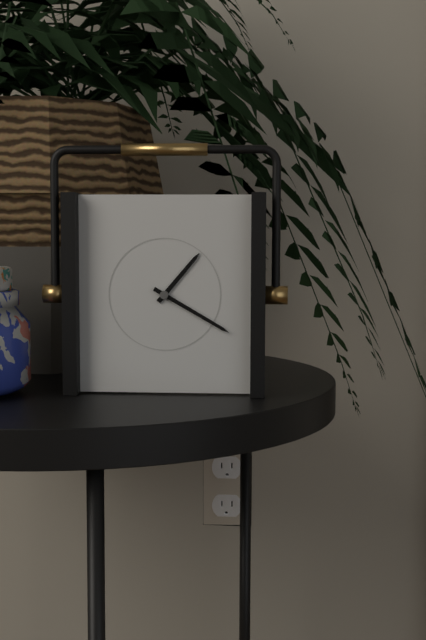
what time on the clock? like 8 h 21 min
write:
1 h 20 min
